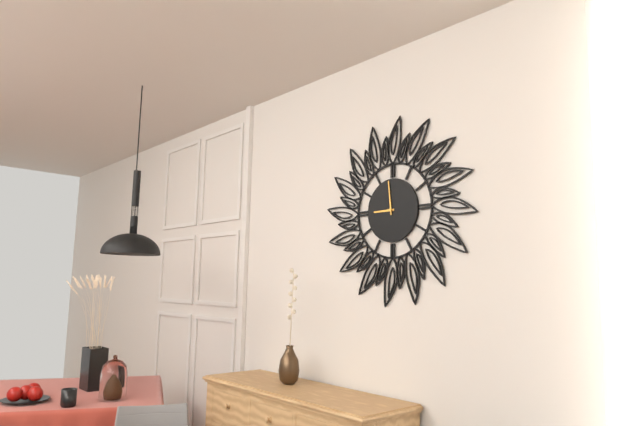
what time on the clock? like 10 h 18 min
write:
8 h 59 min
